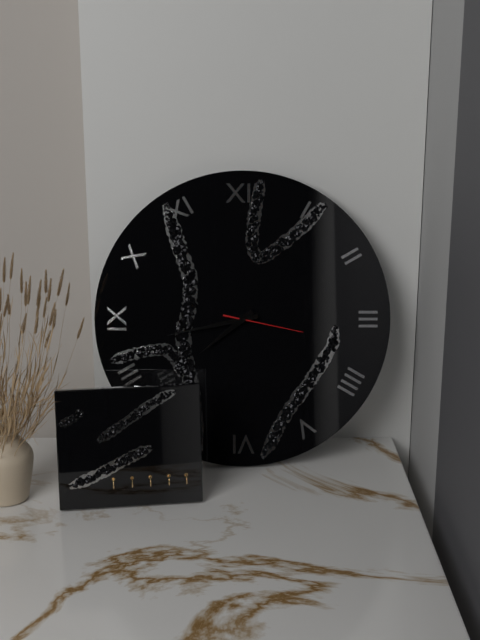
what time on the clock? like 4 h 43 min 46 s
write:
7 h 43 min 17 s
